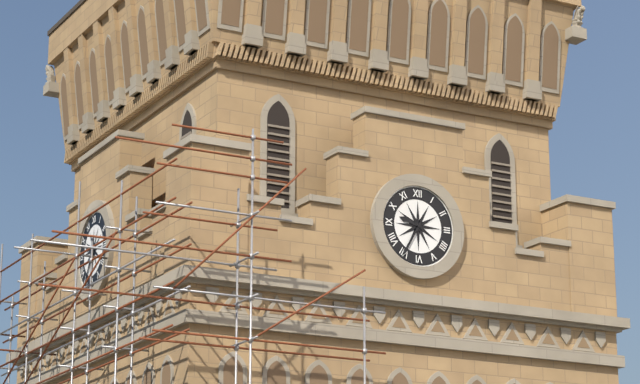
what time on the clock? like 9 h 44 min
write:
9 h 35 min
